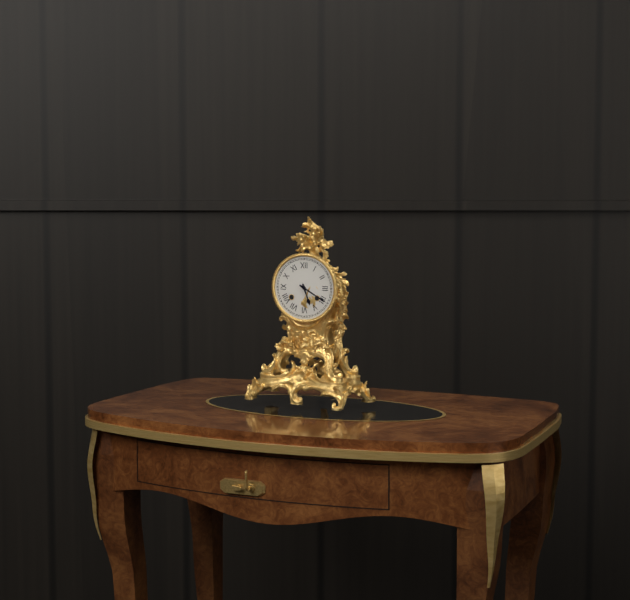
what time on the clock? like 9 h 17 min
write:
5 h 20 min
